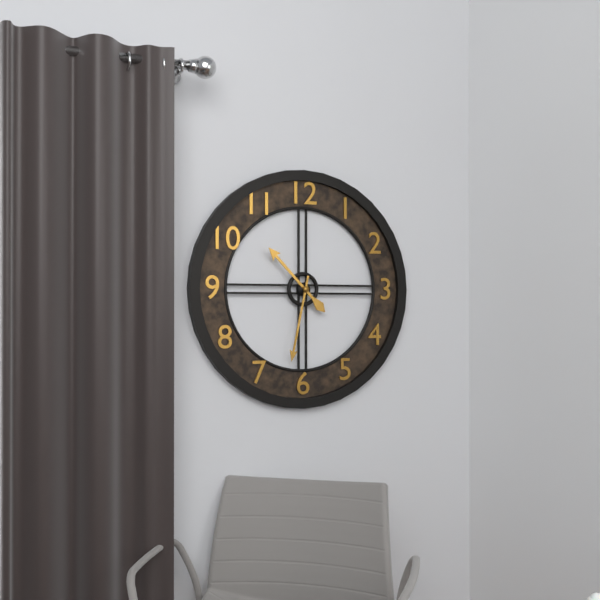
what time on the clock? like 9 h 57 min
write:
10 h 32 min
